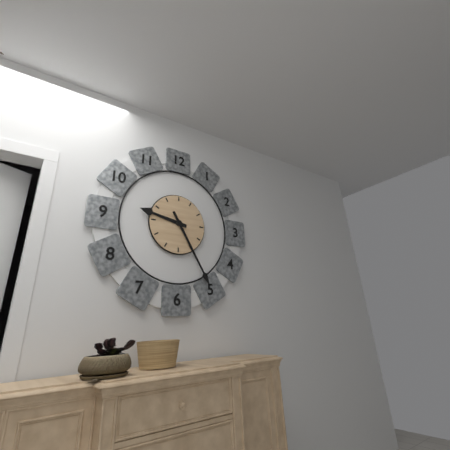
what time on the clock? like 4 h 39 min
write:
9 h 25 min
